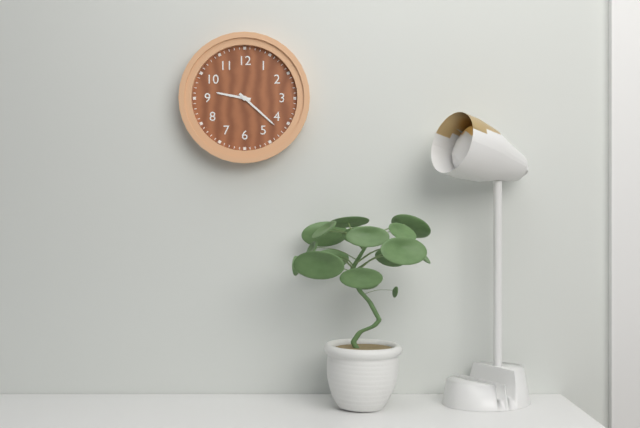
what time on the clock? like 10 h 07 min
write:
9 h 22 min
